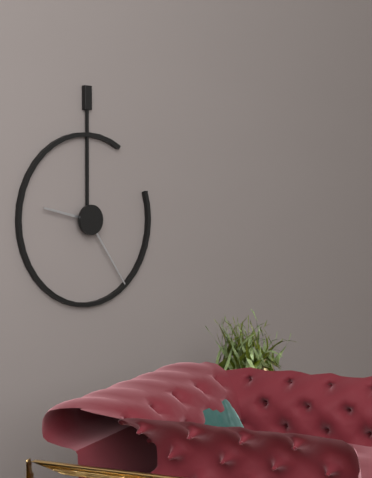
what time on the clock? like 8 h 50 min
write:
9 h 24 min
